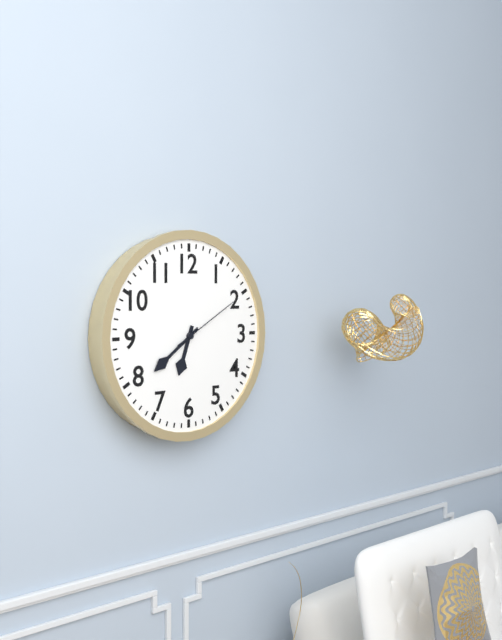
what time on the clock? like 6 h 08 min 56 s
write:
6 h 39 min 10 s
